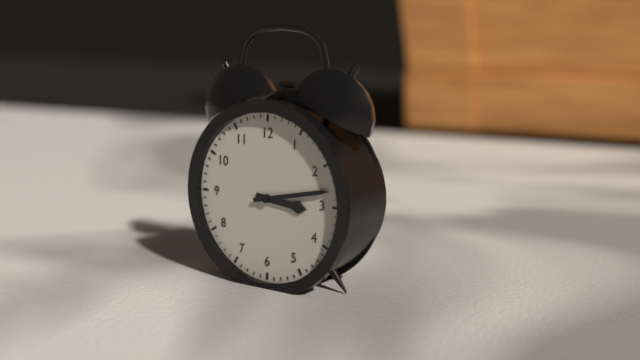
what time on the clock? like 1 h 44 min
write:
3 h 13 min
